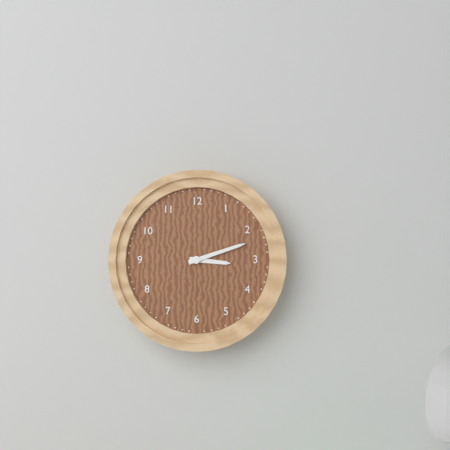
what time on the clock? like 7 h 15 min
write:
3 h 12 min
